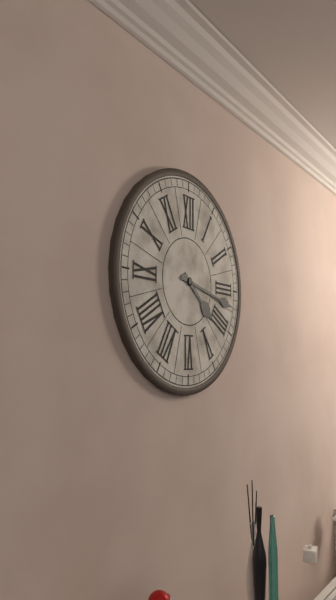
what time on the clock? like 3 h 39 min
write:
4 h 17 min
